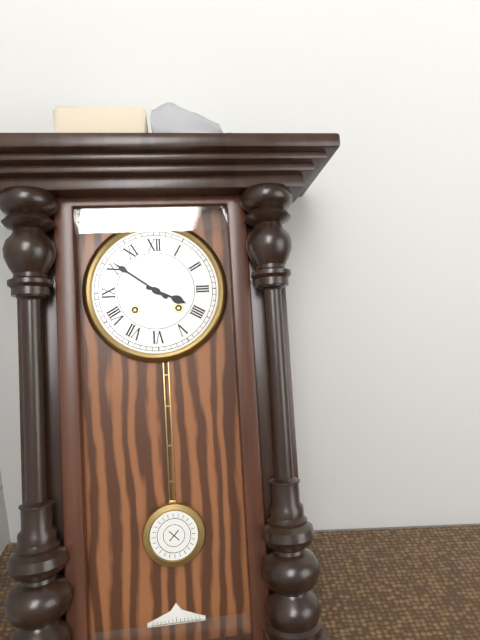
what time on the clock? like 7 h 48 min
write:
3 h 51 min
